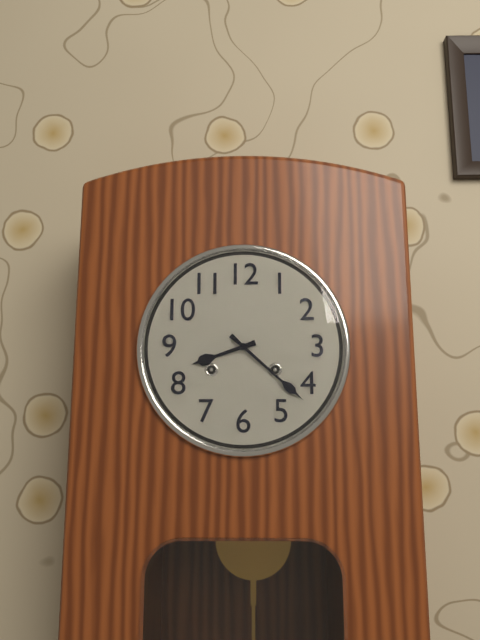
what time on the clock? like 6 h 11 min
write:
8 h 22 min
